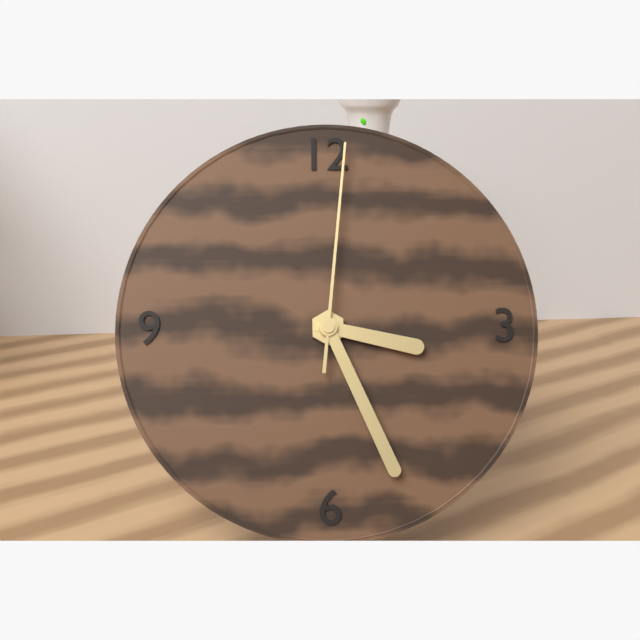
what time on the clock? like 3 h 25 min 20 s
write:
3 h 26 min 01 s
